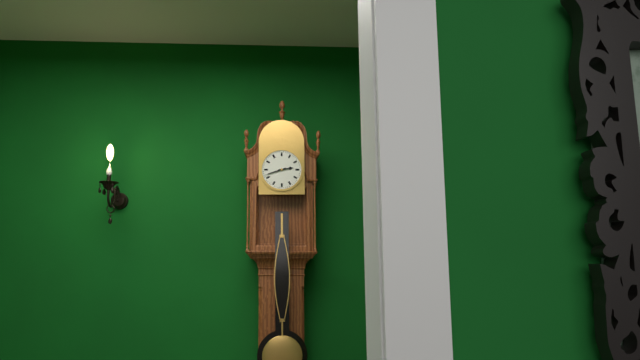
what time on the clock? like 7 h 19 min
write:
2 h 42 min
